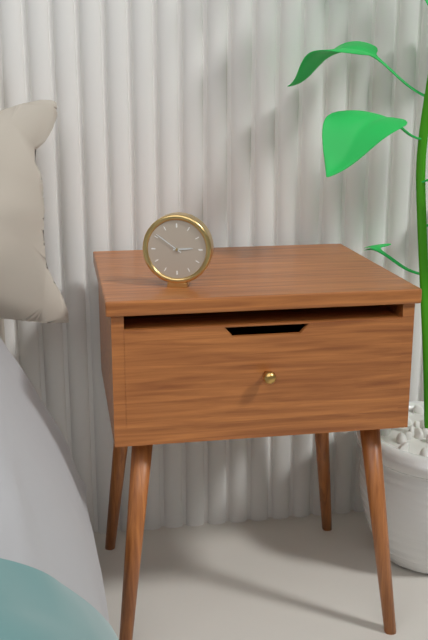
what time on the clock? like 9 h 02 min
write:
2 h 51 min
